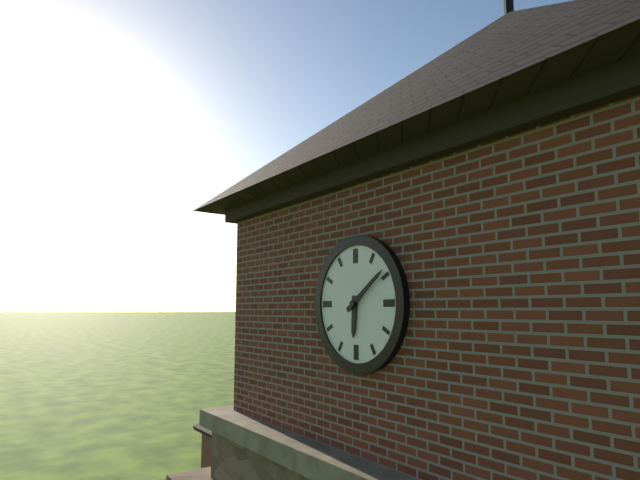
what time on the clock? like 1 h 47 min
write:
6 h 09 min
